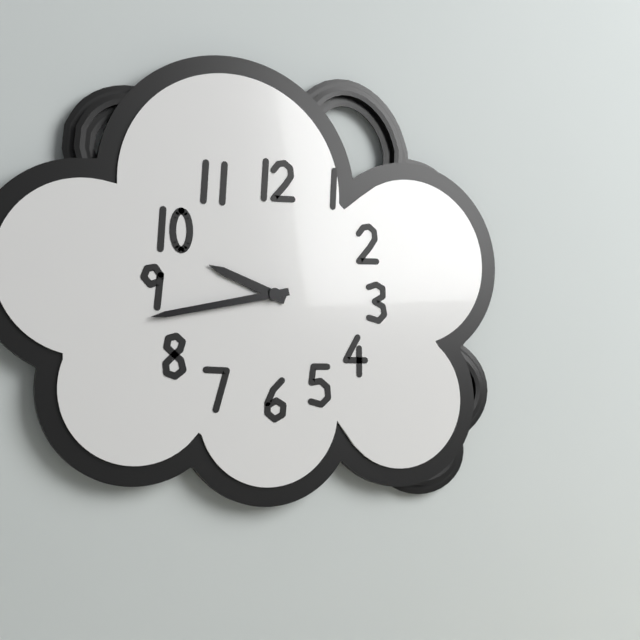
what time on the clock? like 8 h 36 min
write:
9 h 43 min
